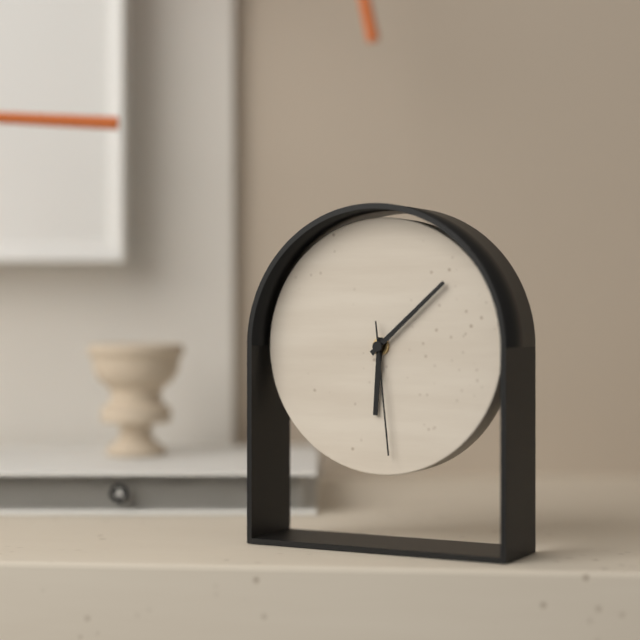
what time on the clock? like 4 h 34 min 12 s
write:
6 h 08 min 29 s
